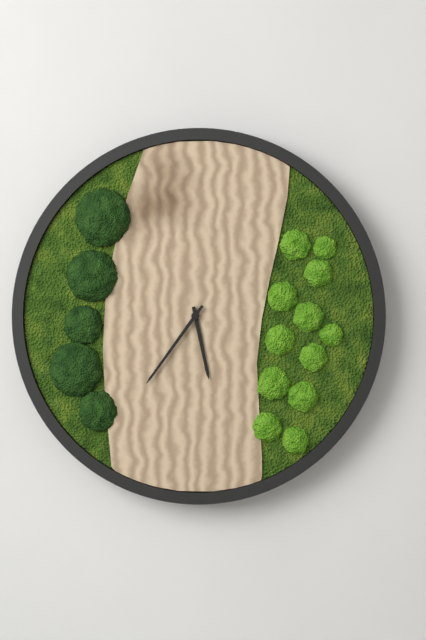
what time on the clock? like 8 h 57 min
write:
5 h 36 min
